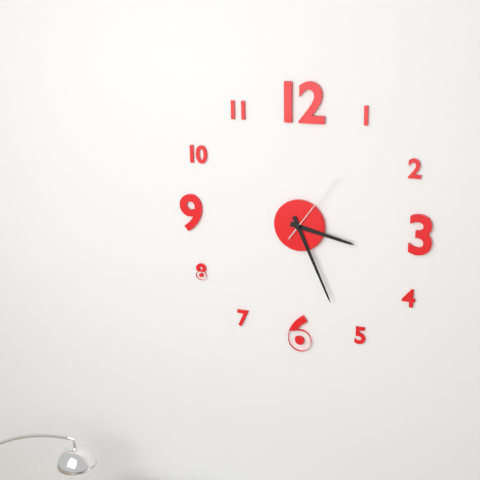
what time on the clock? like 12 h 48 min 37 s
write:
3 h 26 min 06 s
